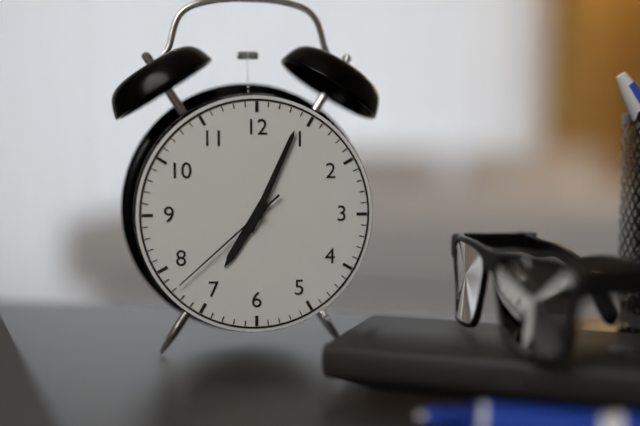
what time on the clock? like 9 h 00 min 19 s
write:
7 h 04 min 38 s
